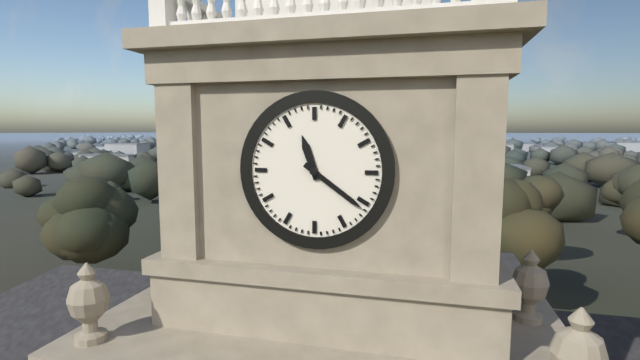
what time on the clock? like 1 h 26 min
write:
11 h 21 min
